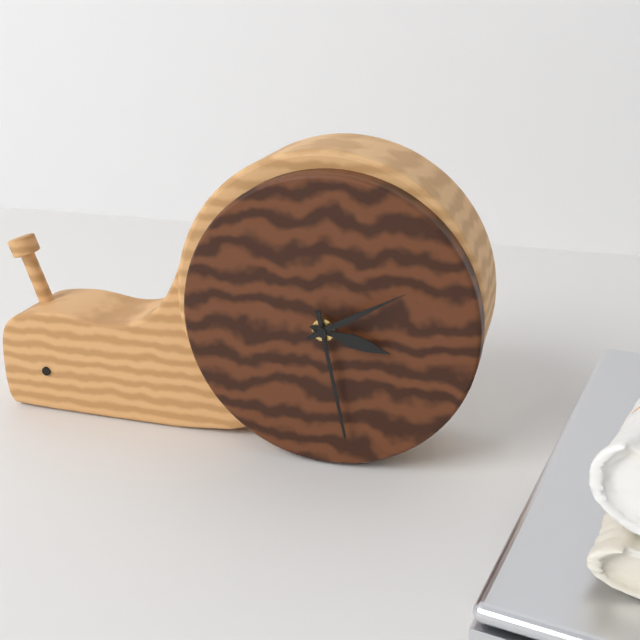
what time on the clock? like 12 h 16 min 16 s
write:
3 h 28 min 10 s
